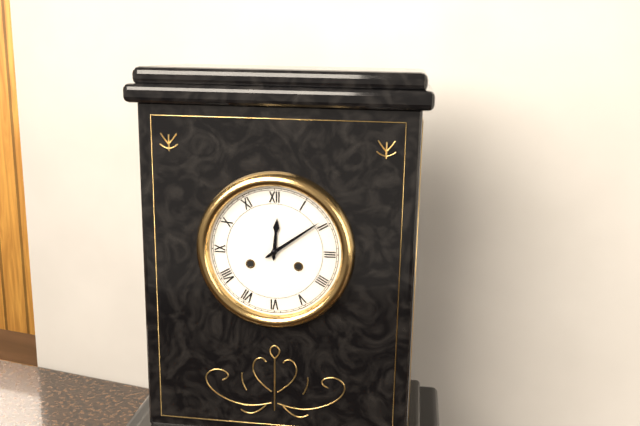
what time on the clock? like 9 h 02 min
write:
12 h 09 min
